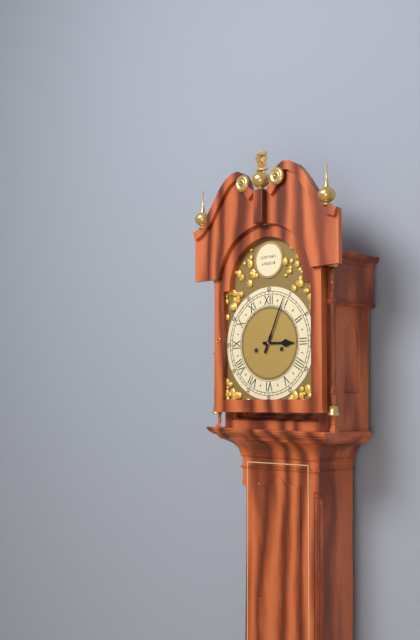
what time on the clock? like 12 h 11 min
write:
3 h 04 min
